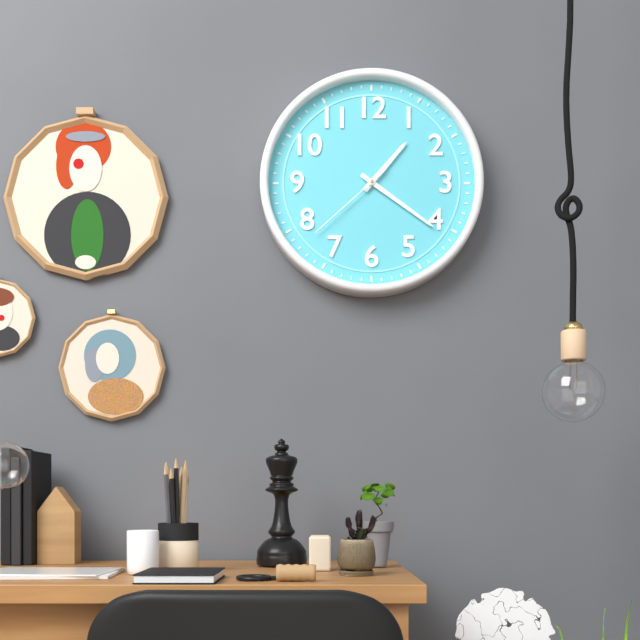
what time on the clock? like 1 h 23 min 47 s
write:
1 h 21 min 38 s
